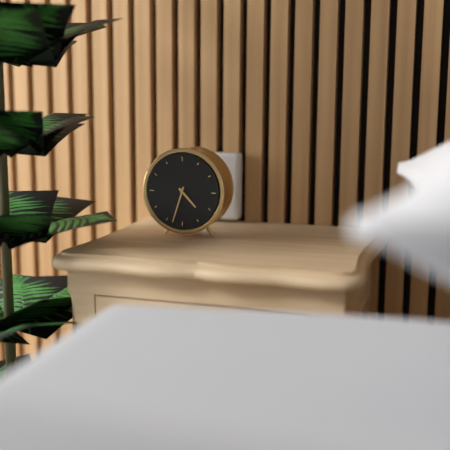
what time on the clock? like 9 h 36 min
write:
4 h 33 min
